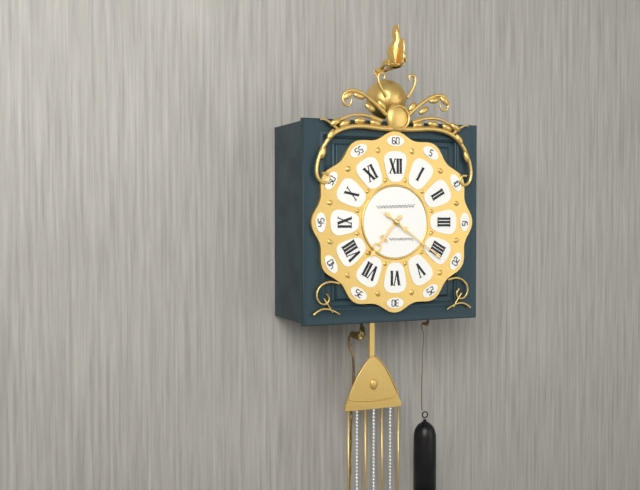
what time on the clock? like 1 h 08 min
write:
7 h 21 min
